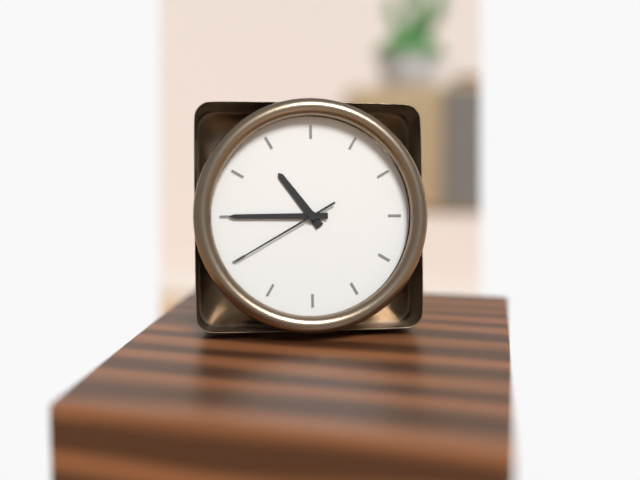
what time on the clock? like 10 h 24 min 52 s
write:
10 h 45 min 40 s
